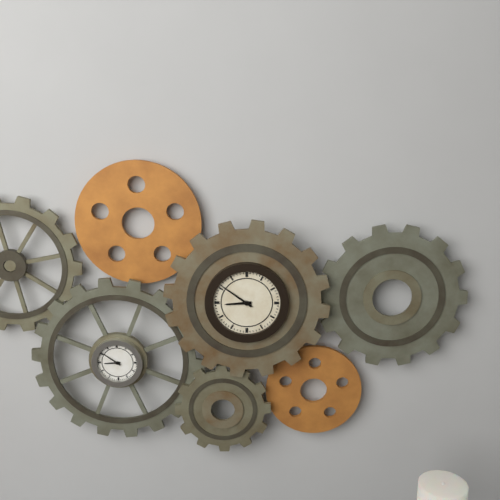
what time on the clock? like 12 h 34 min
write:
8 h 51 min
